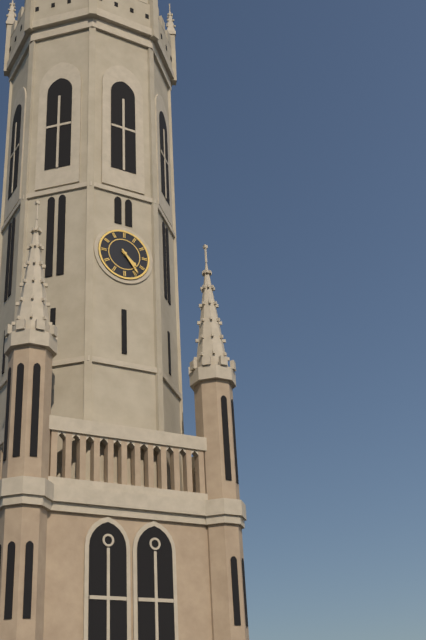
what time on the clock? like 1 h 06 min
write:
4 h 24 min
